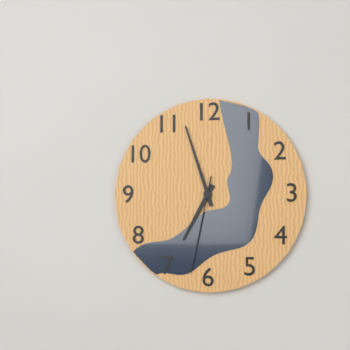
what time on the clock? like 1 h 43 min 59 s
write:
6 h 57 min 32 s
